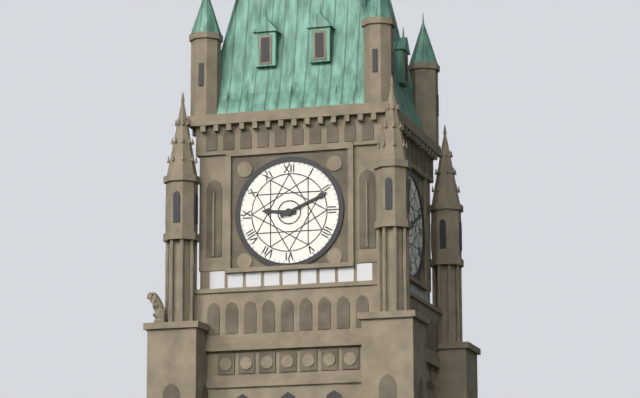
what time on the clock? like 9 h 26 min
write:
9 h 11 min
